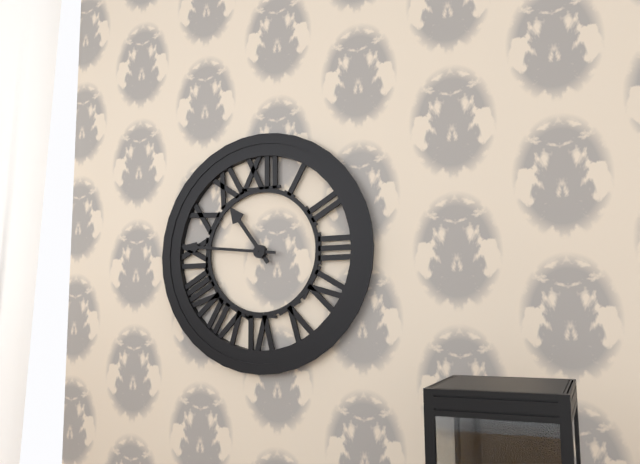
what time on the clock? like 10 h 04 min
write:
10 h 46 min
